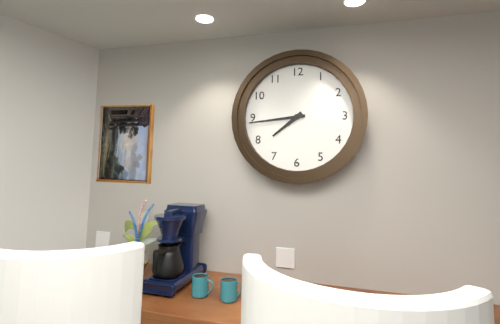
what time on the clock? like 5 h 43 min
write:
7 h 44 min
